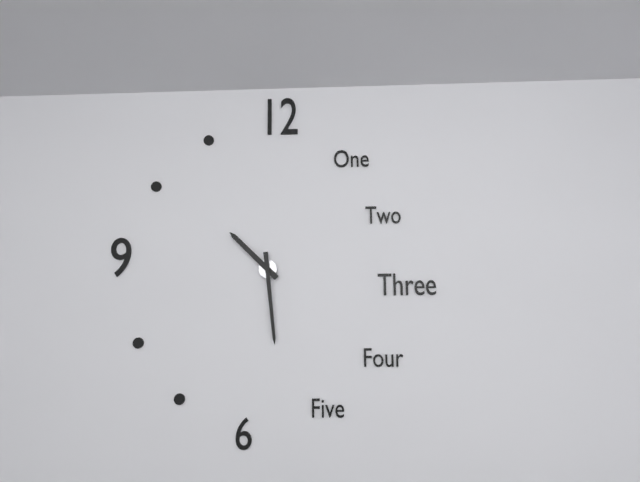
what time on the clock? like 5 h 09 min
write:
10 h 29 min
